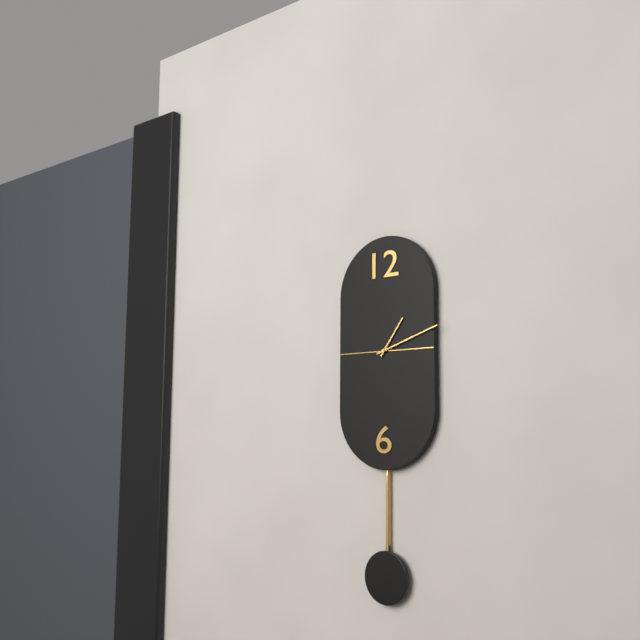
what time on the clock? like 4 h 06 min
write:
1 h 12 min
